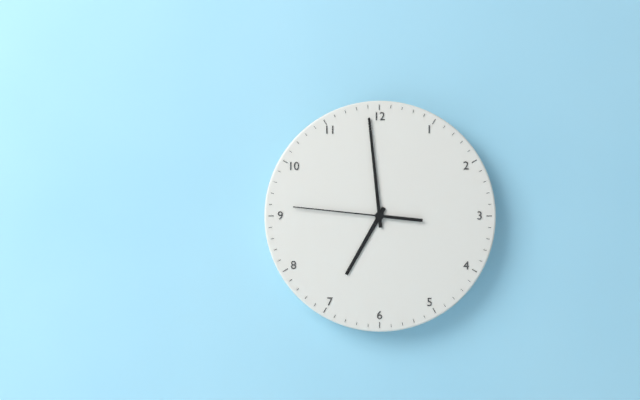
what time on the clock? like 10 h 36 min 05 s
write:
6 h 59 min 46 s
